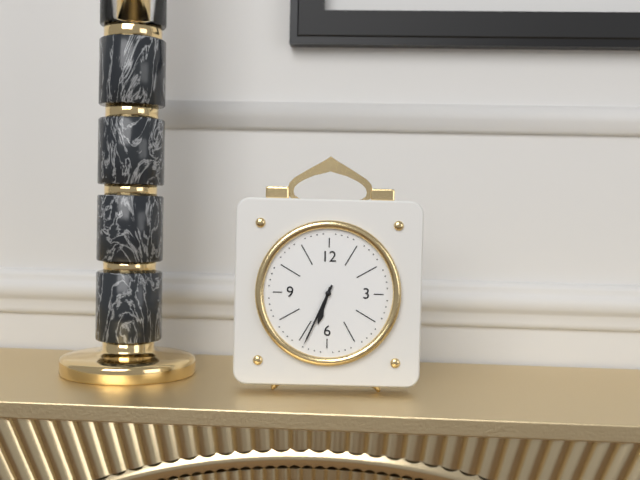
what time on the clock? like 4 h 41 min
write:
6 h 34 min
